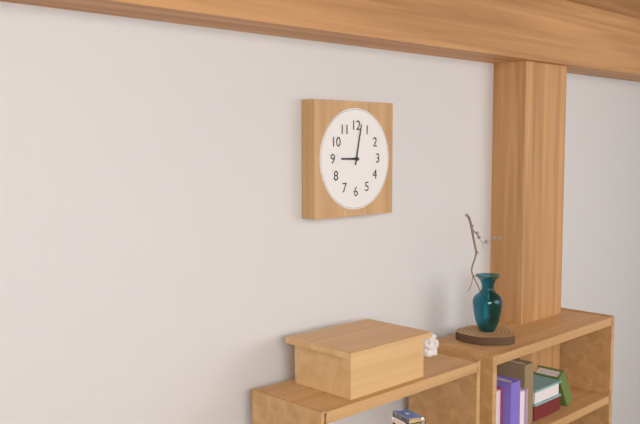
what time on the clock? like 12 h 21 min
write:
9 h 02 min
